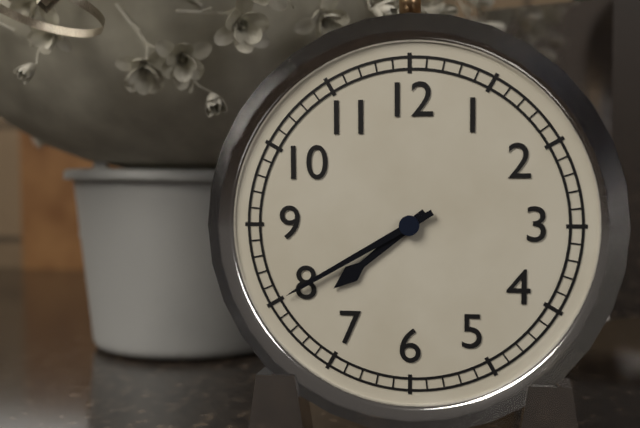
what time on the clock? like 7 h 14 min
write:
7 h 40 min
